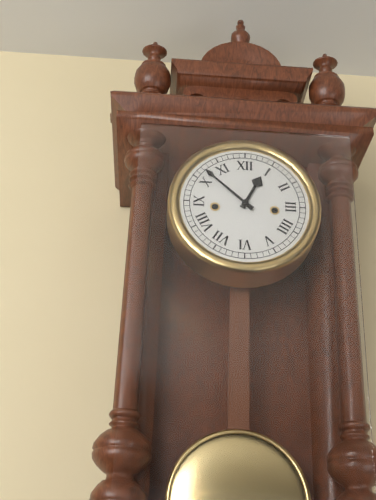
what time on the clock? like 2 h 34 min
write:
12 h 52 min
